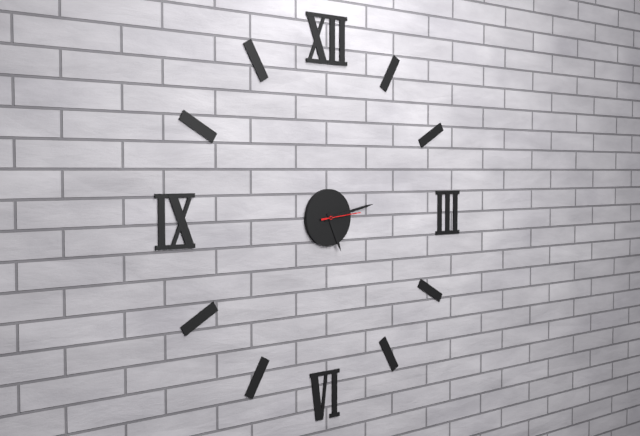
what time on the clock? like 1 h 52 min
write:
5 h 13 min
